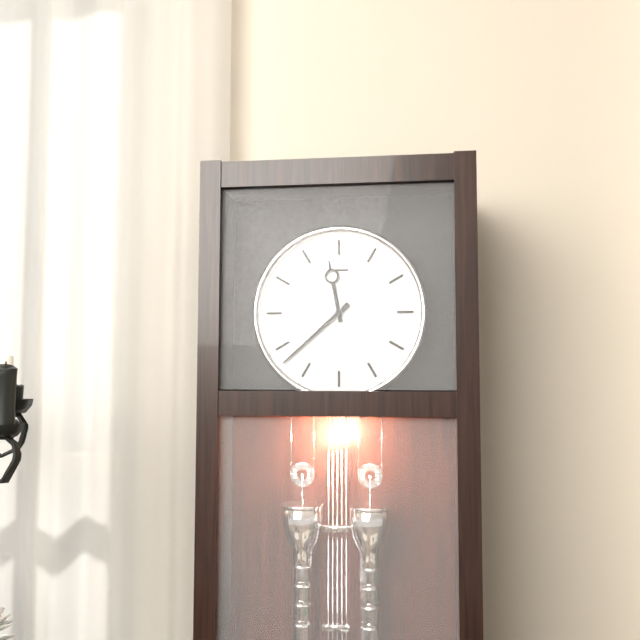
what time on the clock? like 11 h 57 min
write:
11 h 38 min
